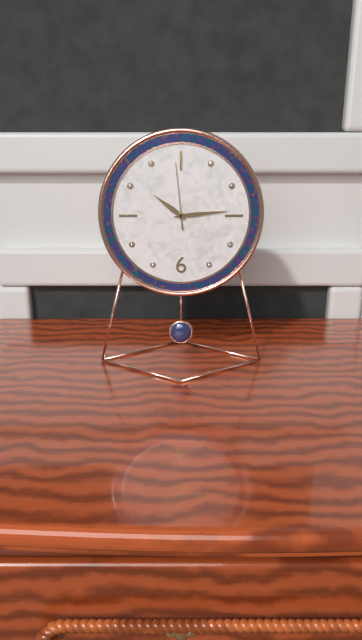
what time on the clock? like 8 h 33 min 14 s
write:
10 h 14 min 59 s
